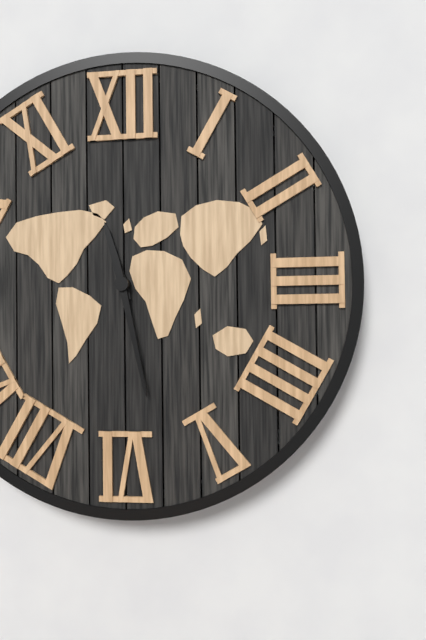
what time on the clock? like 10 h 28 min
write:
11 h 28 min
